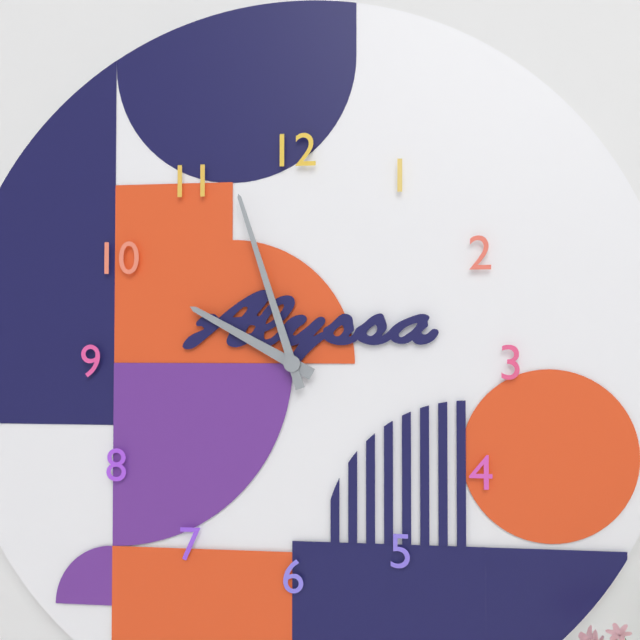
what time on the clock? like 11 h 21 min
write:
9 h 57 min
